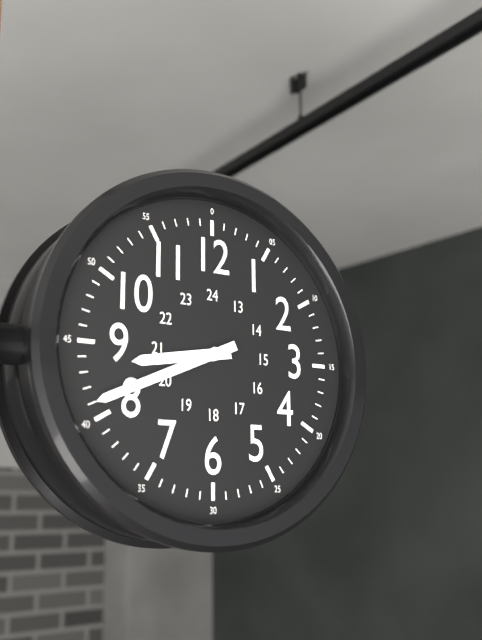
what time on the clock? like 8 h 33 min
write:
8 h 41 min
